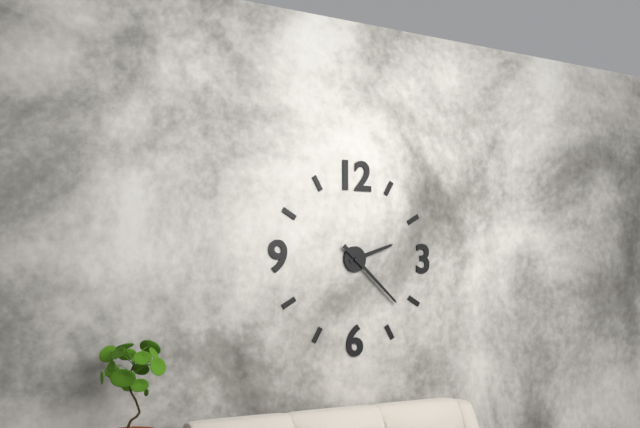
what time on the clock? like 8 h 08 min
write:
2 h 22 min
